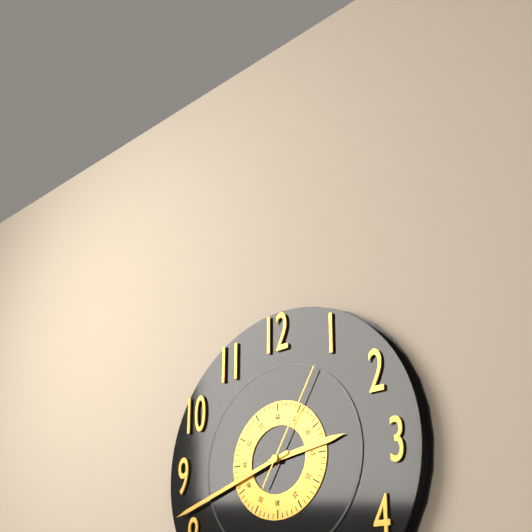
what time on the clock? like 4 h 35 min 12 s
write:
2 h 42 min 05 s
